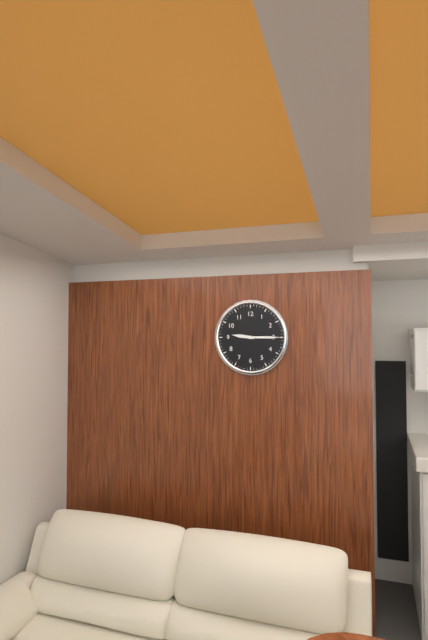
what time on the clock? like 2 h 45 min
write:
9 h 15 min
